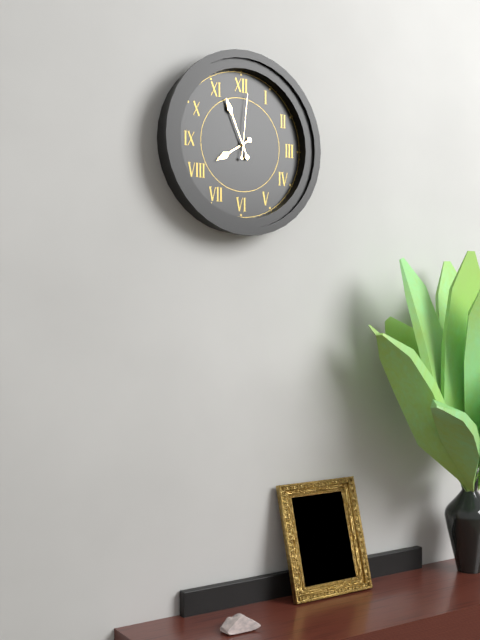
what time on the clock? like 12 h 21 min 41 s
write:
7 h 56 min 01 s
